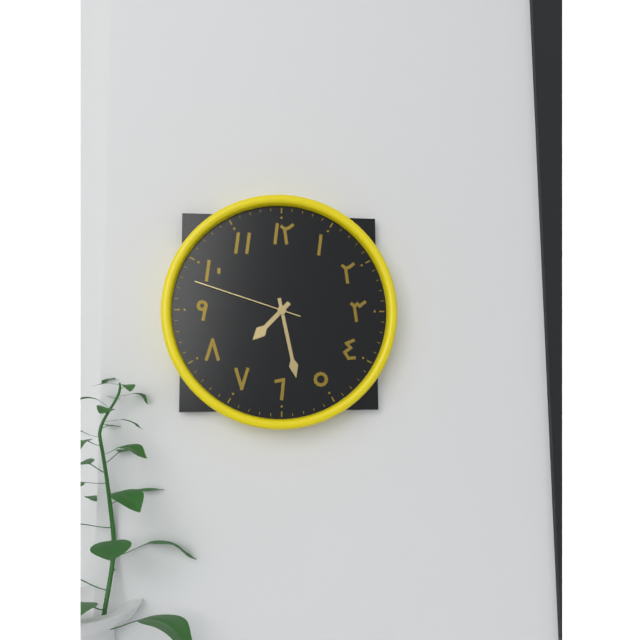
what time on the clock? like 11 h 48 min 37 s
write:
7 h 28 min 48 s
